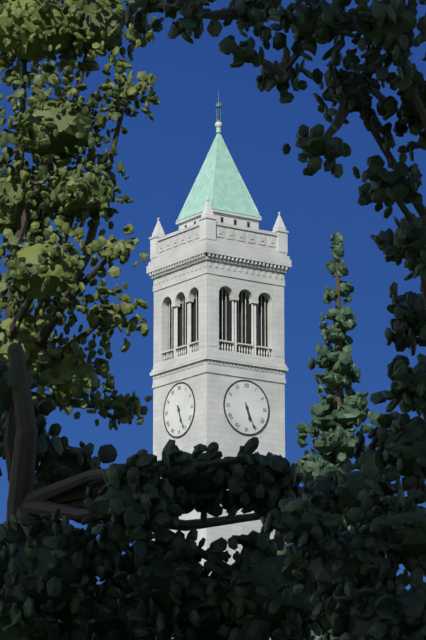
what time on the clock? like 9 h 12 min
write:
5 h 26 min
